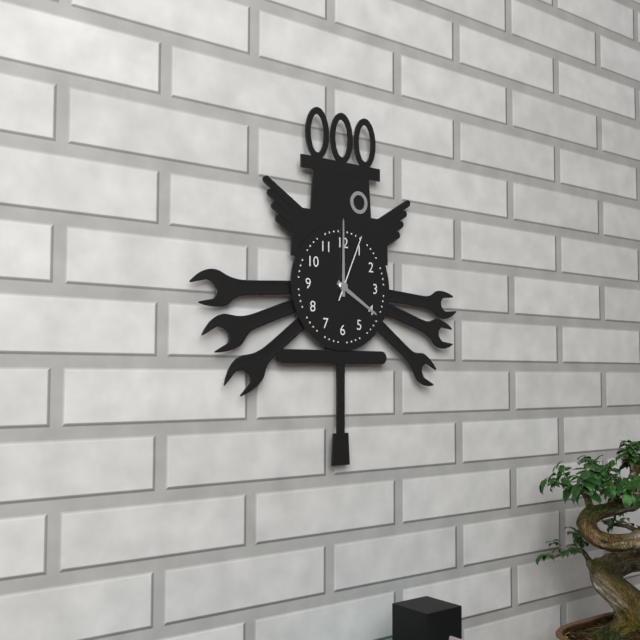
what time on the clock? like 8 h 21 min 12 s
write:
4 h 00 min 04 s
